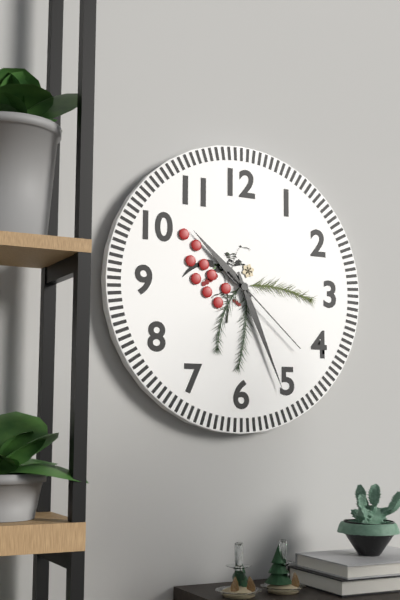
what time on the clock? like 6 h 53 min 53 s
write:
10 h 26 min 22 s
